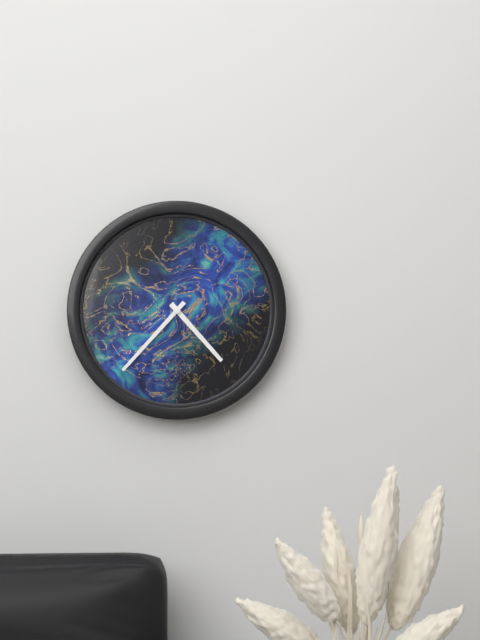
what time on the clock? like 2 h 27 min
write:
4 h 37 min
